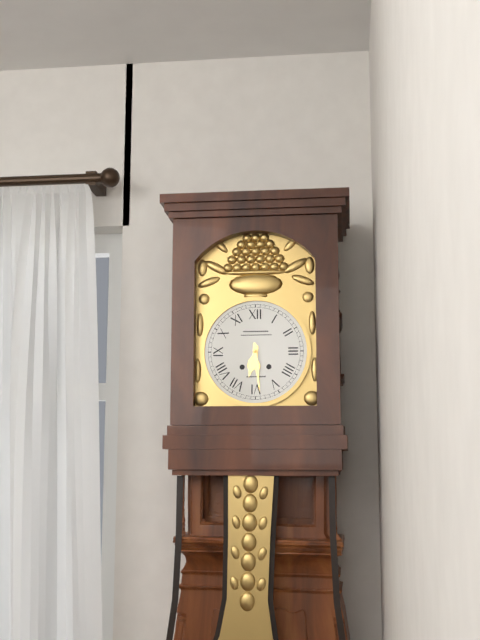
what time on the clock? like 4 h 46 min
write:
6 h 29 min
